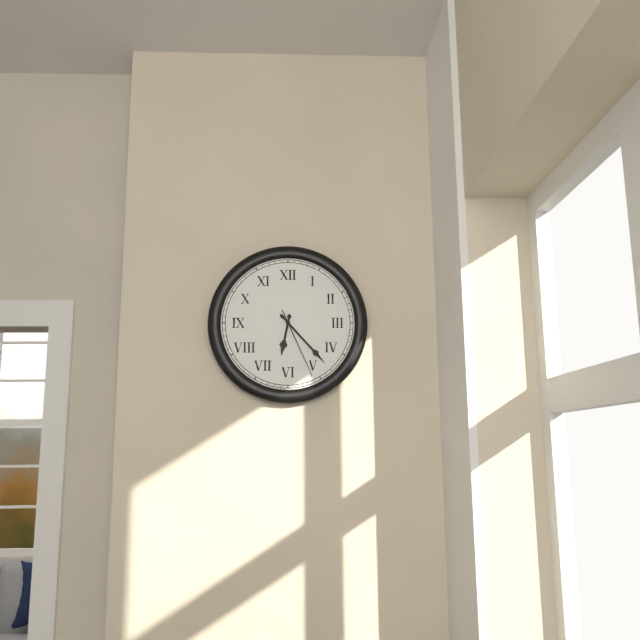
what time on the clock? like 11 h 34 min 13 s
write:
6 h 23 min 26 s
